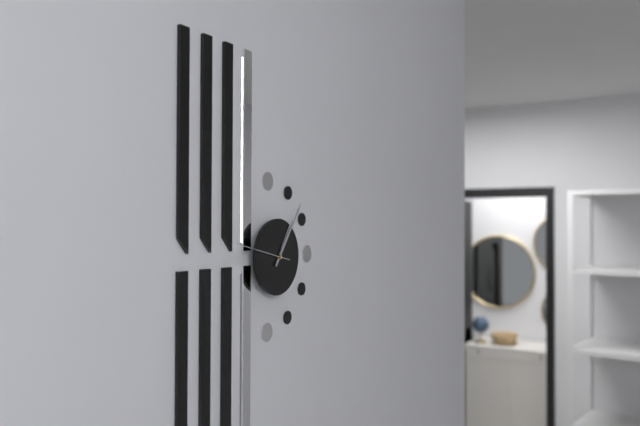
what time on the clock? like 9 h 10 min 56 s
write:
1 h 06 min 47 s
